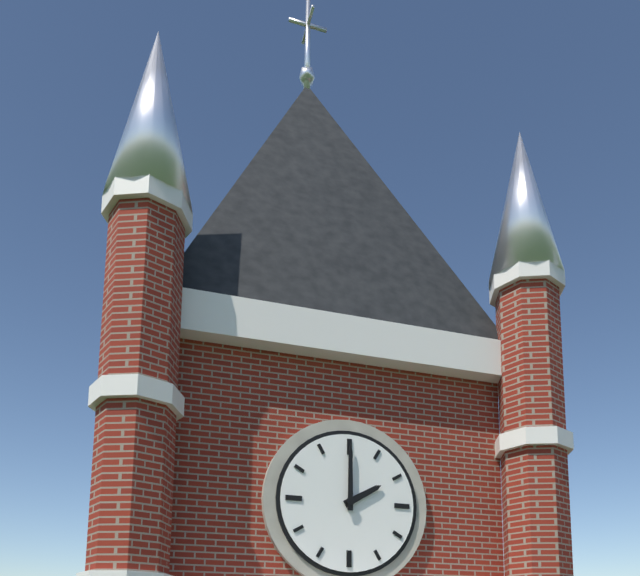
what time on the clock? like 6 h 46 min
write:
2 h 00 min
